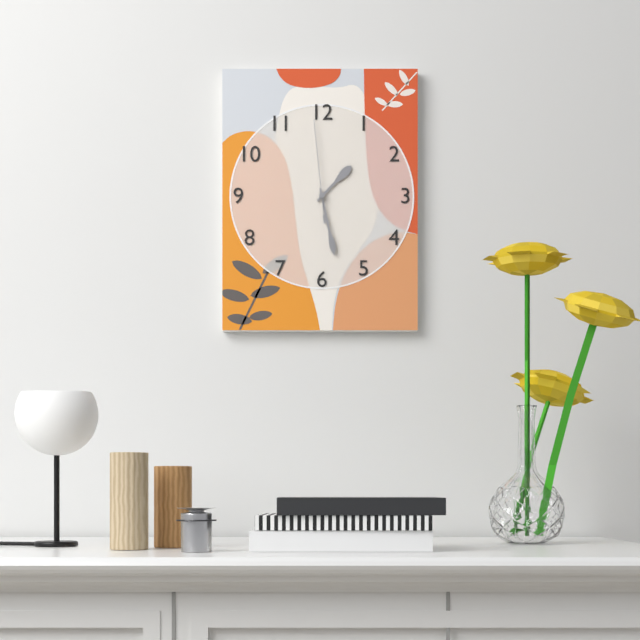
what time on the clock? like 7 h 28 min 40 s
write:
1 h 28 min 59 s
